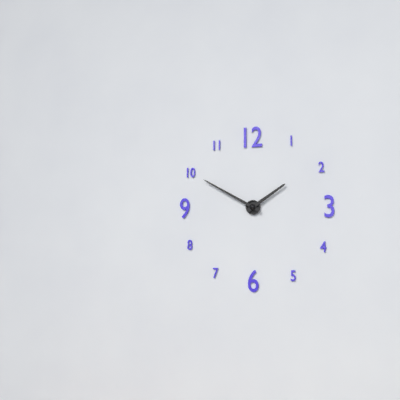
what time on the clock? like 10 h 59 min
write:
1 h 50 min
